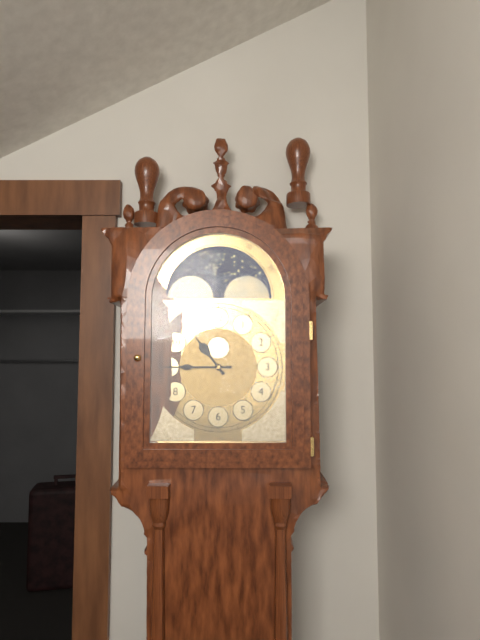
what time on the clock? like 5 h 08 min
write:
10 h 45 min
